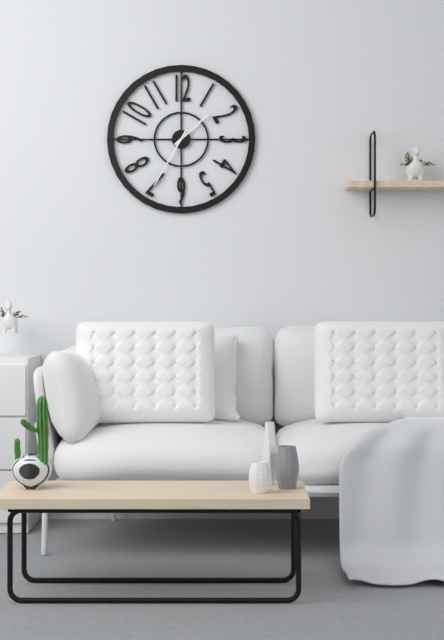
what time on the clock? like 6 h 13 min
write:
1 h 35 min
